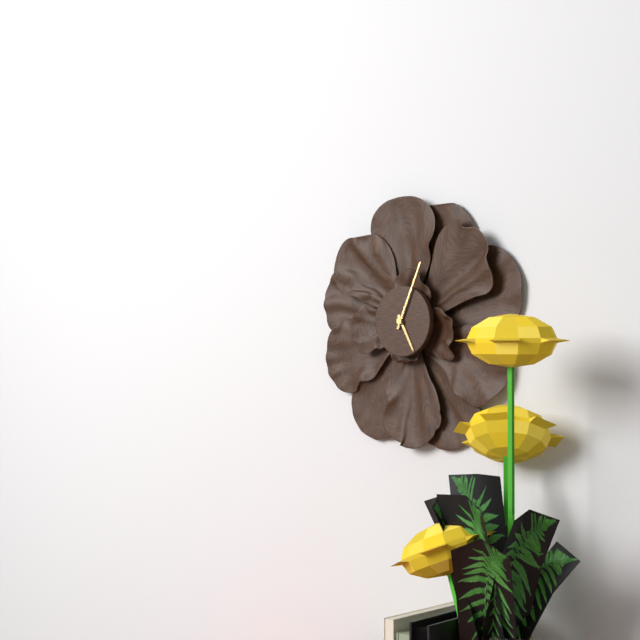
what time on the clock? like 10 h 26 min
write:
5 h 04 min
